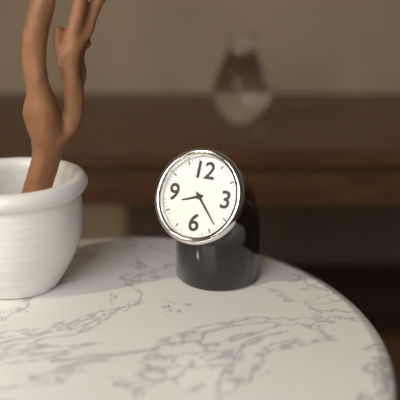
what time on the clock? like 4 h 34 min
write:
8 h 23 min
